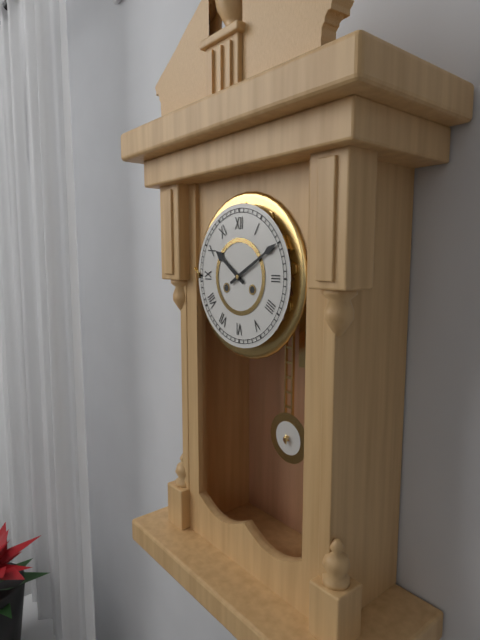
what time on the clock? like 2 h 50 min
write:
10 h 10 min
